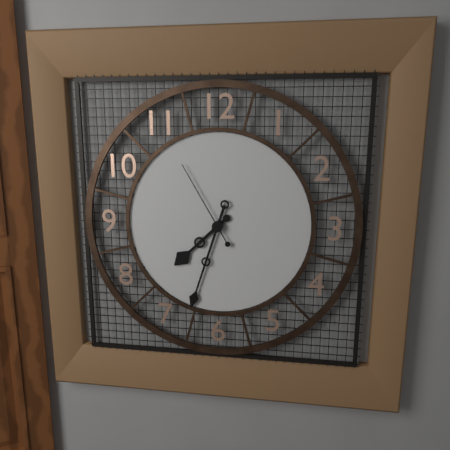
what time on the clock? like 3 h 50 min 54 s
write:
7 h 33 min 55 s
